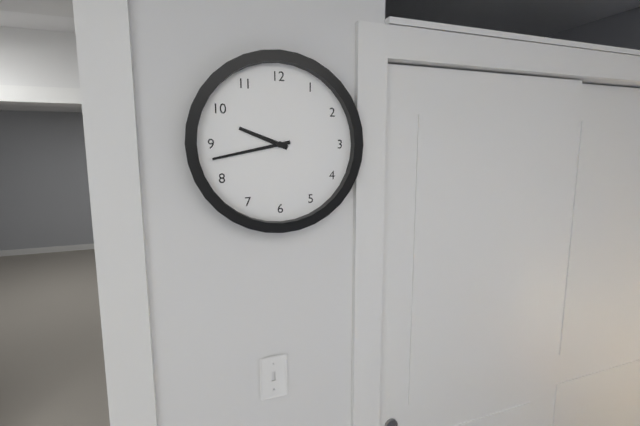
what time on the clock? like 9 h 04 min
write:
9 h 43 min
